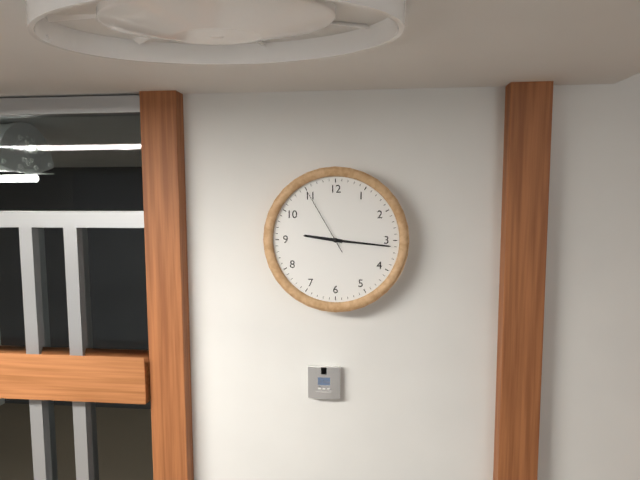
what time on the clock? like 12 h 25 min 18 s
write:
9 h 16 min 55 s
